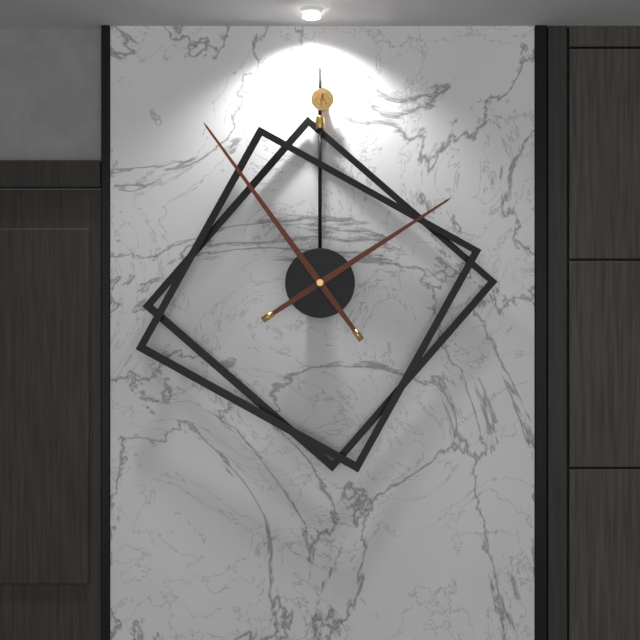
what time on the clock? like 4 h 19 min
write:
1 h 54 min
